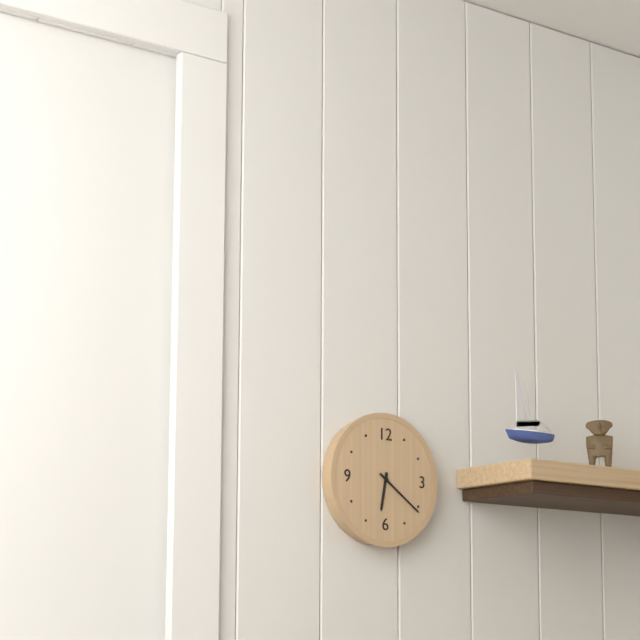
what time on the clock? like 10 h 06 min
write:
6 h 21 min
